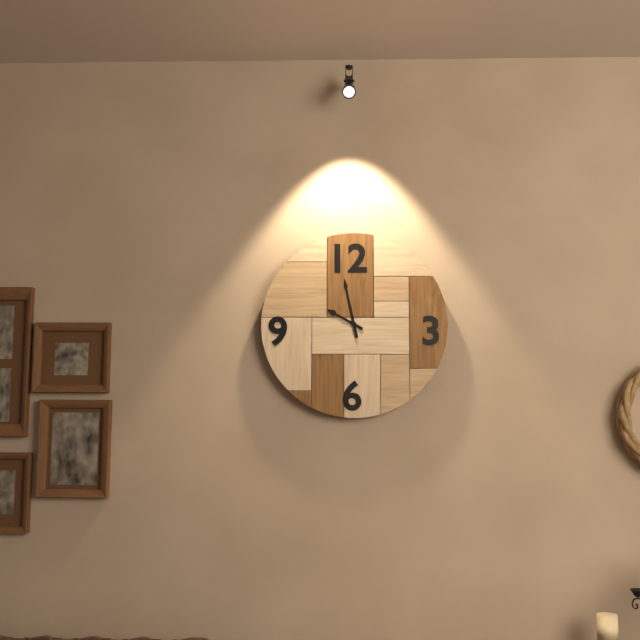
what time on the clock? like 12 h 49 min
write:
9 h 58 min
